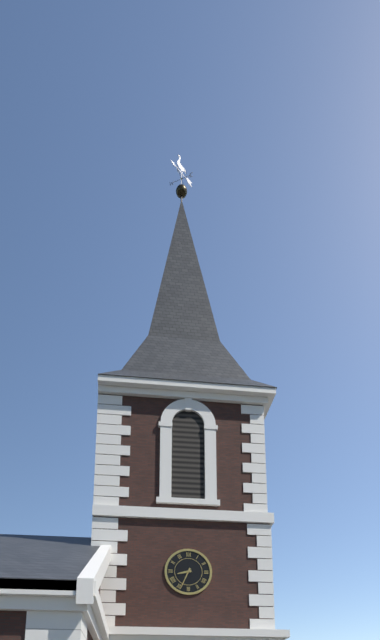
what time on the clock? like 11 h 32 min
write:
8 h 34 min
